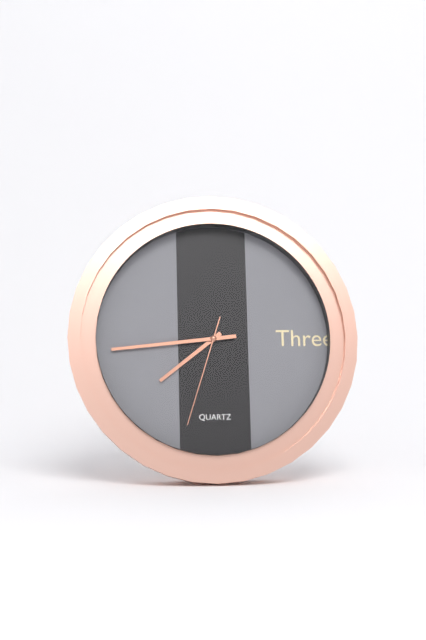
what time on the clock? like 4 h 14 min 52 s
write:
7 h 44 min 33 s
